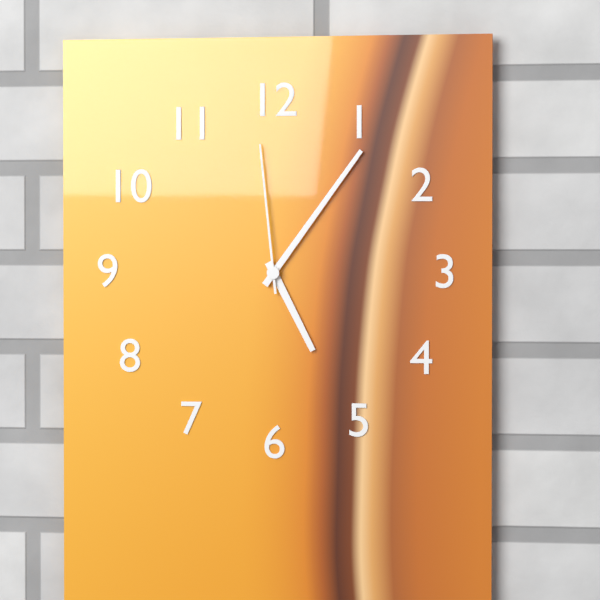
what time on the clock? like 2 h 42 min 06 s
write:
5 h 06 min 59 s
